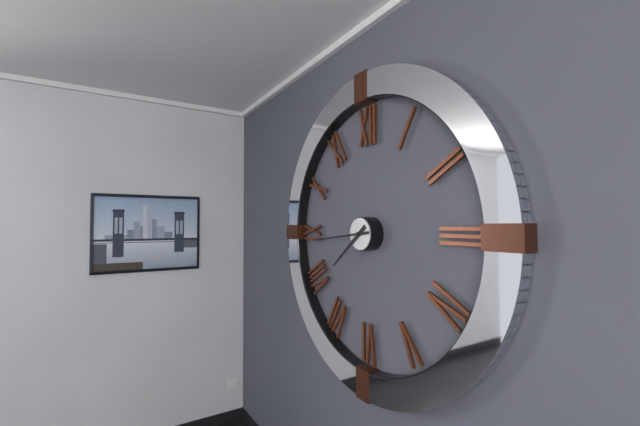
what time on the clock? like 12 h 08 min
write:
7 h 44 min
